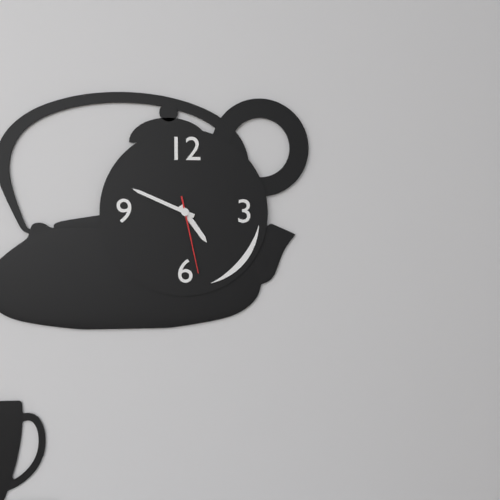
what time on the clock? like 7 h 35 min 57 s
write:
4 h 49 min 28 s
